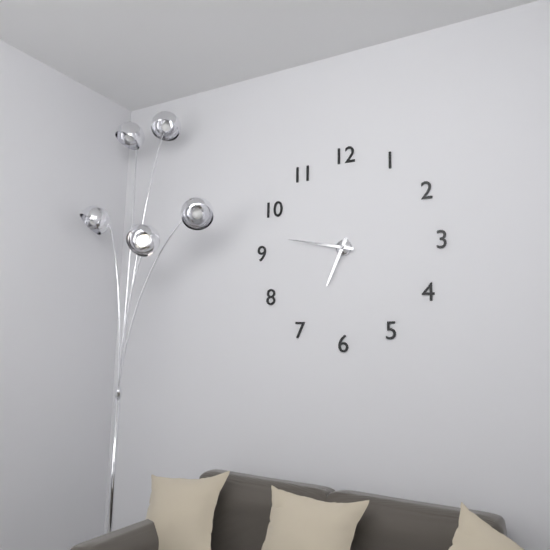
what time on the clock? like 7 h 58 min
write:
6 h 47 min
